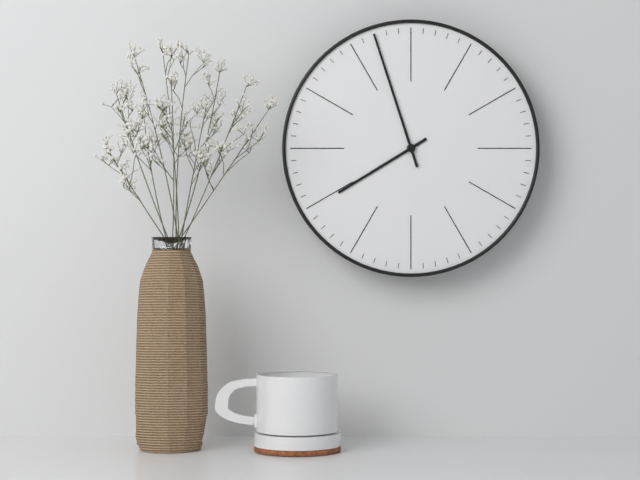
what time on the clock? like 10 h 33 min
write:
7 h 57 min
